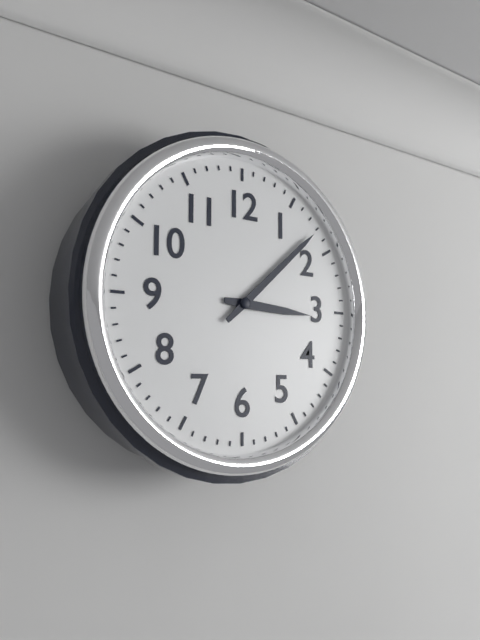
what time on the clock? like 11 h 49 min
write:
3 h 08 min
